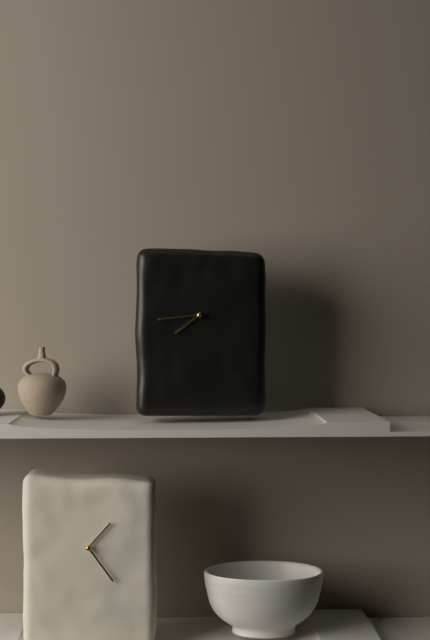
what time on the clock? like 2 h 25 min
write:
7 h 44 min
